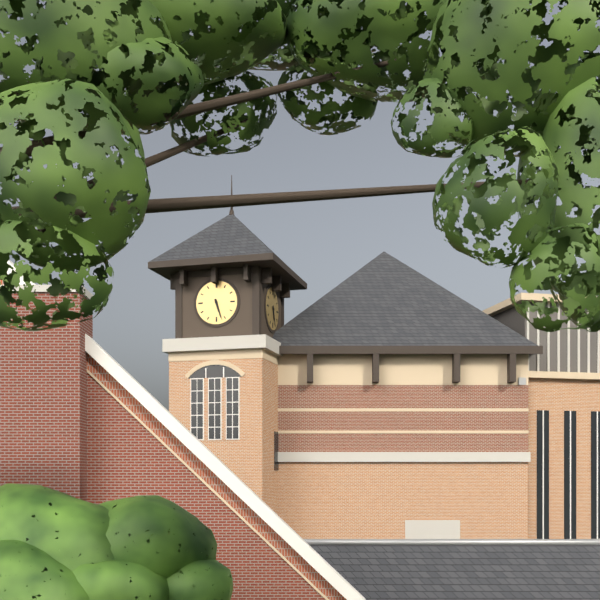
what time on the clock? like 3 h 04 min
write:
5 h 27 min
